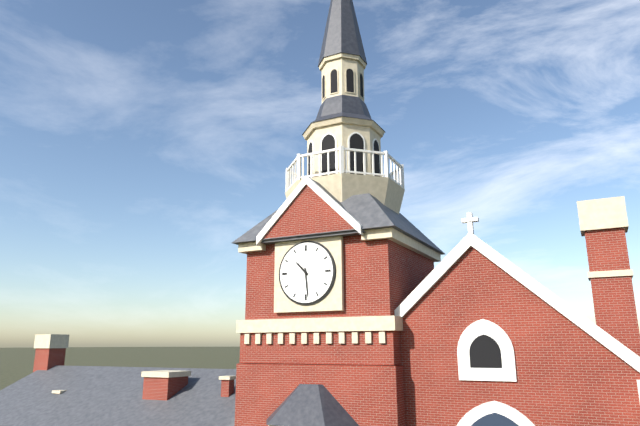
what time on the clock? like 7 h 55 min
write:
10 h 29 min
